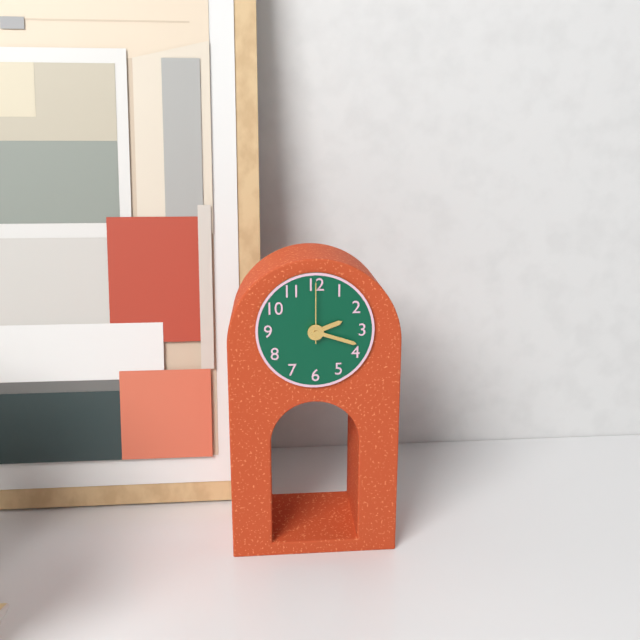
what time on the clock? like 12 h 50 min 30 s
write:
2 h 18 min 00 s
